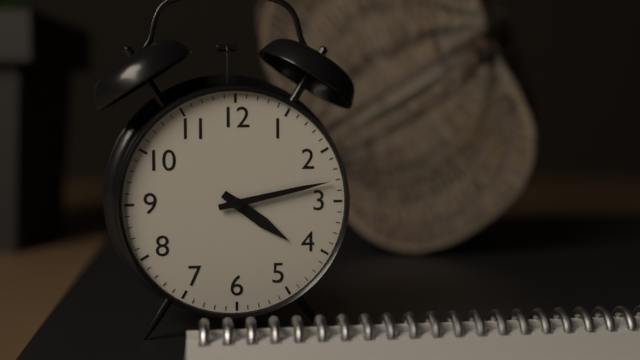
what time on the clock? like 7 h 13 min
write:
4 h 13 min
